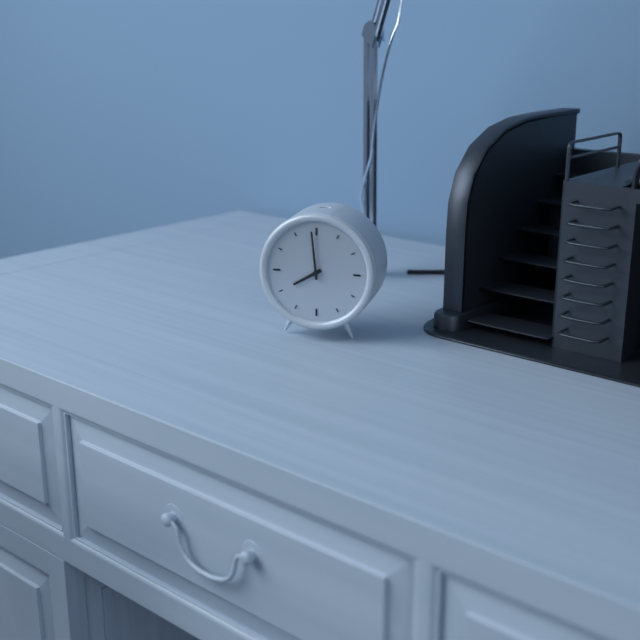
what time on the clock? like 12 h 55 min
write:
7 h 59 min
